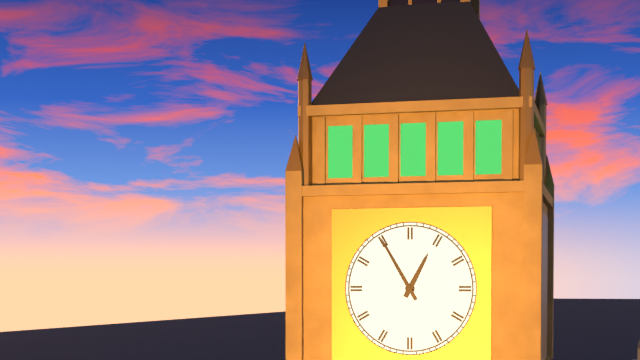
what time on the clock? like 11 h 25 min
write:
12 h 55 min
